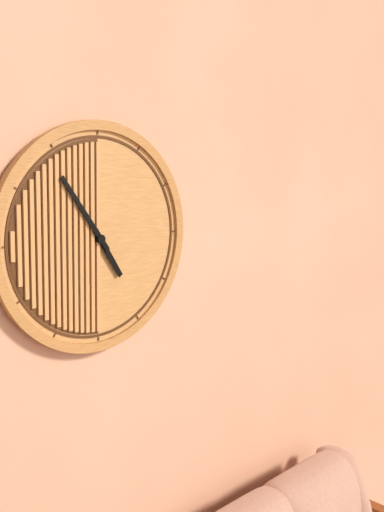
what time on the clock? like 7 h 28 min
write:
4 h 54 min
